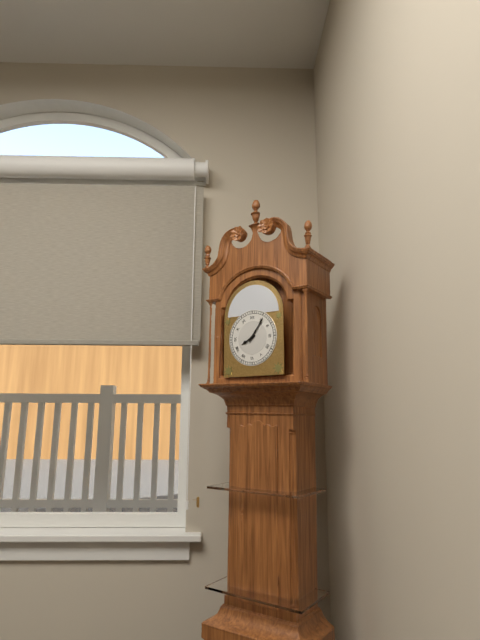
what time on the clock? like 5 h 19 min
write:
8 h 06 min
